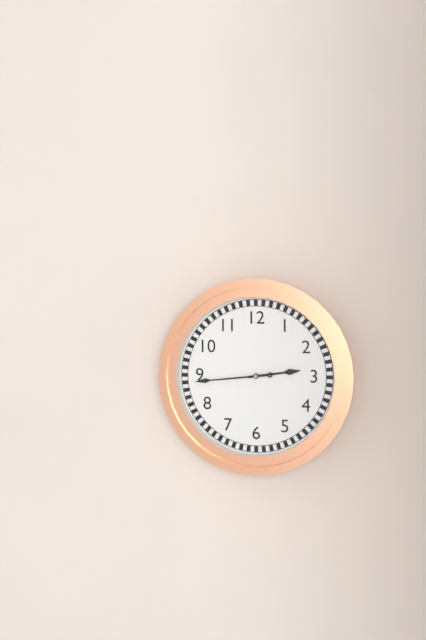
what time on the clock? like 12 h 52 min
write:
2 h 44 min
